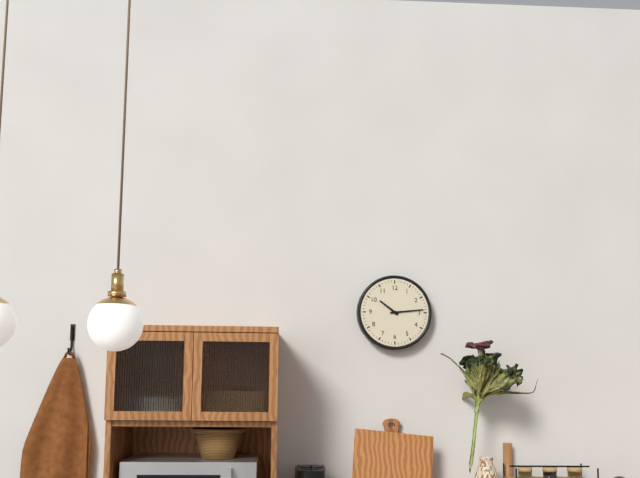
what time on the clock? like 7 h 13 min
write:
10 h 14 min
